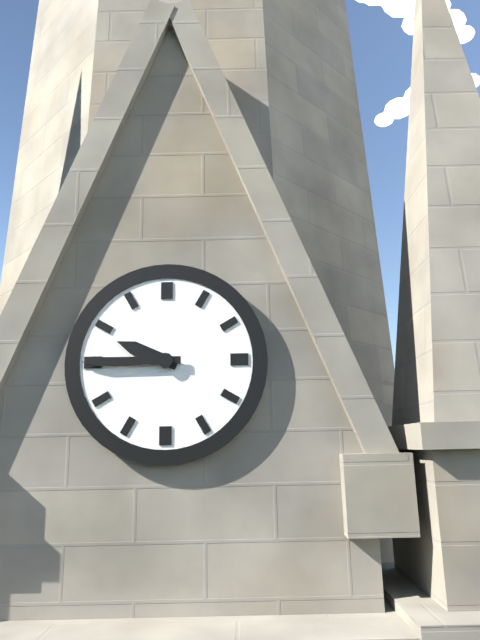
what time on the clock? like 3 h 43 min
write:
9 h 45 min
